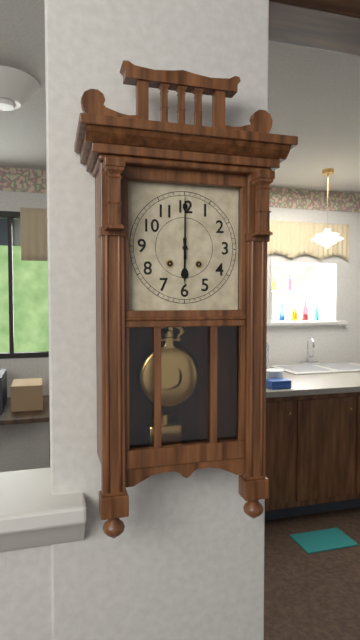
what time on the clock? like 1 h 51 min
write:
6 h 00 min
